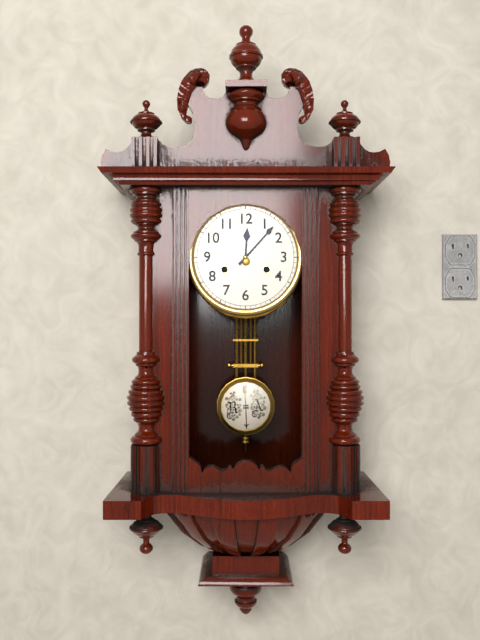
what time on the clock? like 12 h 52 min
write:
12 h 07 min
